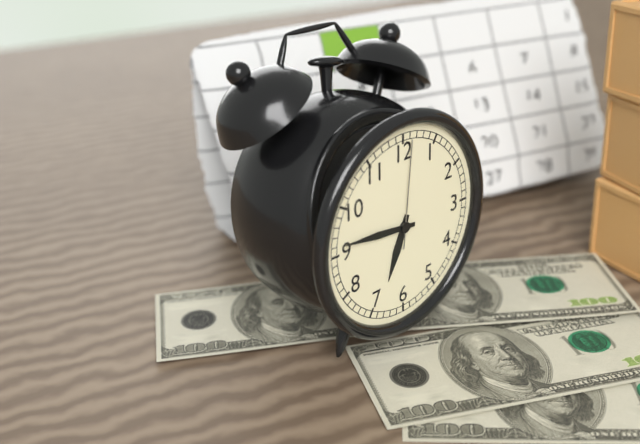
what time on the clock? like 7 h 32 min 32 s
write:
6 h 46 min 01 s
